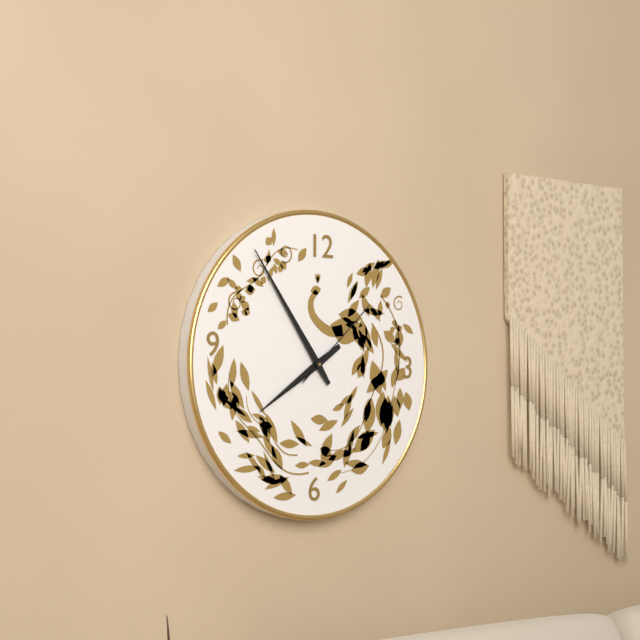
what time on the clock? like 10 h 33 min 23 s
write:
7 h 54 min 08 s
